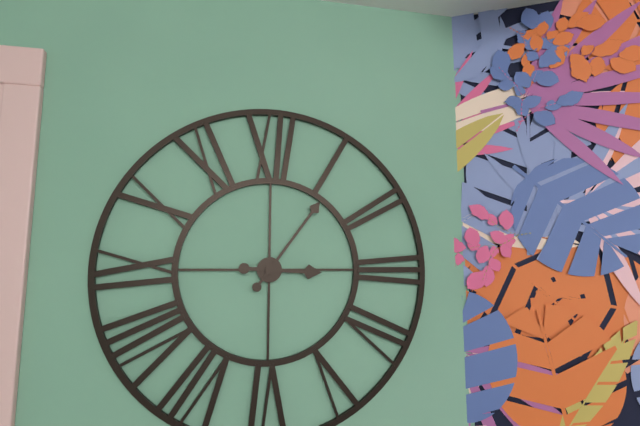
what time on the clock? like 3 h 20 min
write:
3 h 06 min
